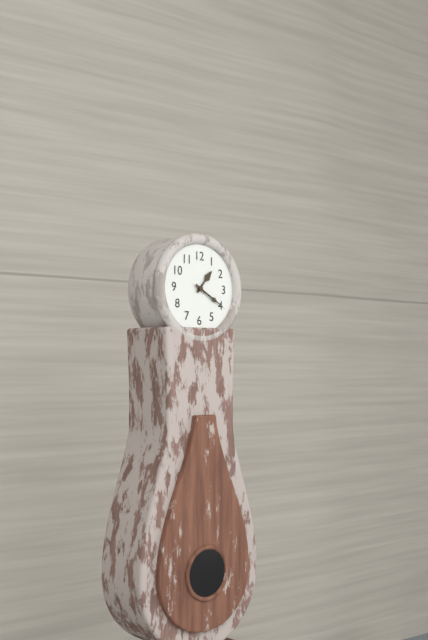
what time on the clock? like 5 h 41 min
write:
1 h 20 min
